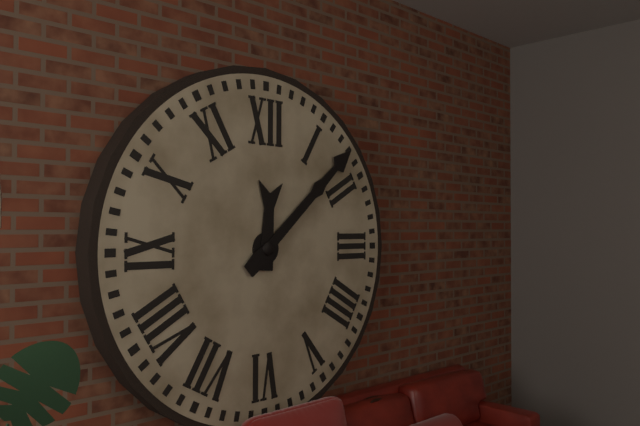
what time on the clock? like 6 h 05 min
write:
12 h 08 min
